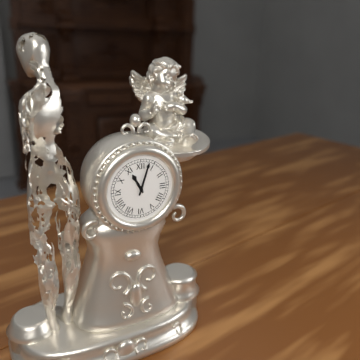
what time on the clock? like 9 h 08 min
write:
11 h 03 min
